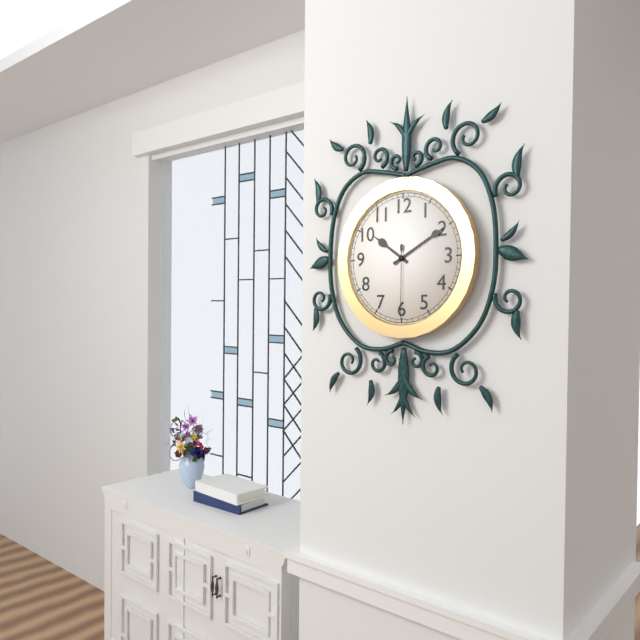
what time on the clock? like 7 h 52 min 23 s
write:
10 h 10 min 30 s
